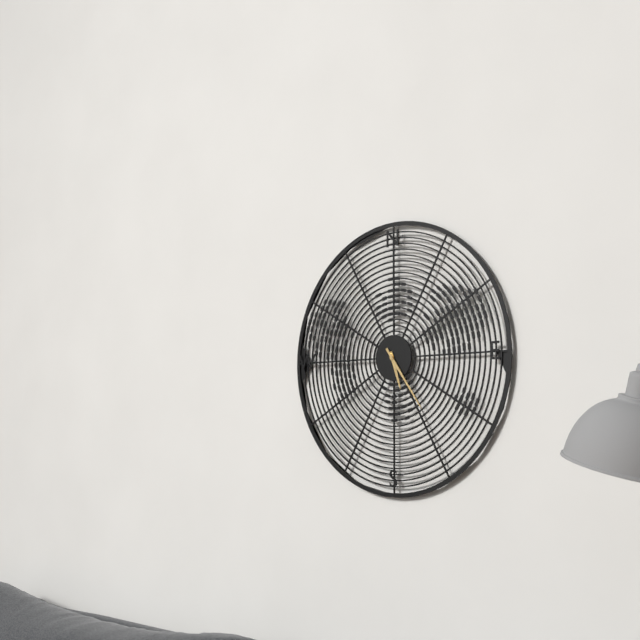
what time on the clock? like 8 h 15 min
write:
5 h 24 min
